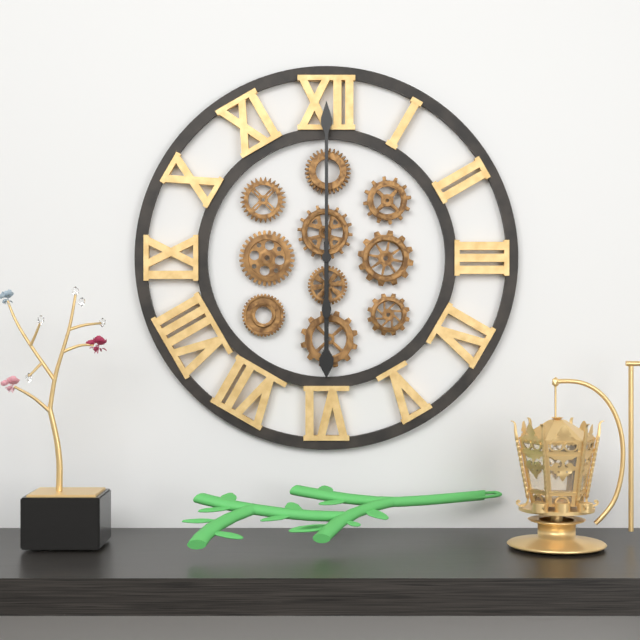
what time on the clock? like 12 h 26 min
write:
6 h 00 min
